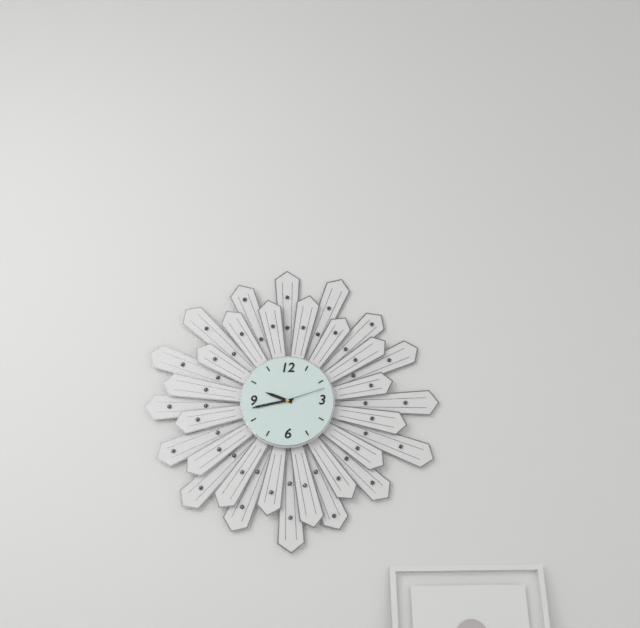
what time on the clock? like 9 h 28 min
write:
9 h 43 min
